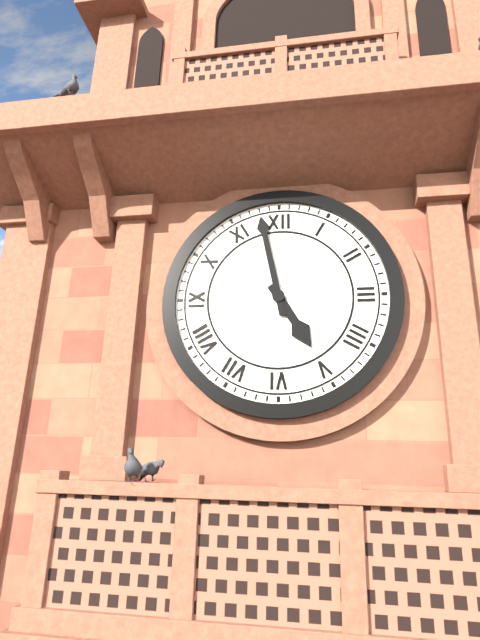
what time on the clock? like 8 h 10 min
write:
4 h 58 min
